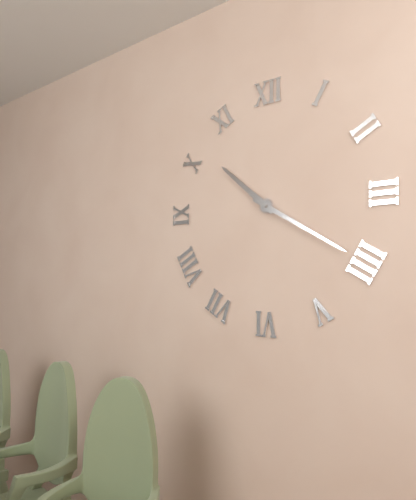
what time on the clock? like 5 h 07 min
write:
10 h 20 min
